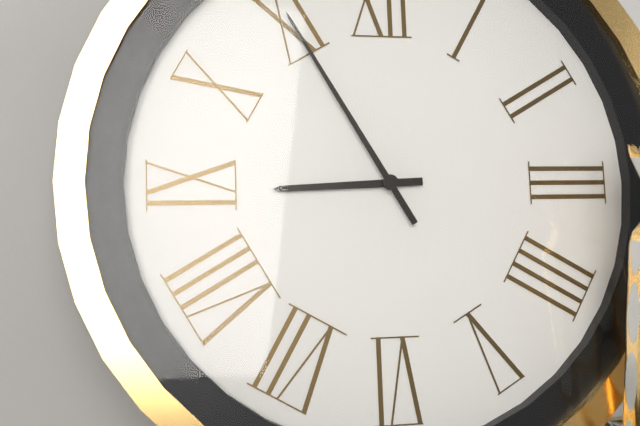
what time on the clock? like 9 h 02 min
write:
8 h 55 min
